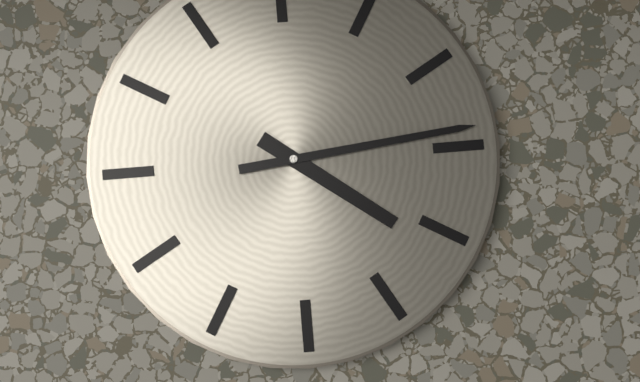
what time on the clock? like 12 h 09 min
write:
4 h 14 min
